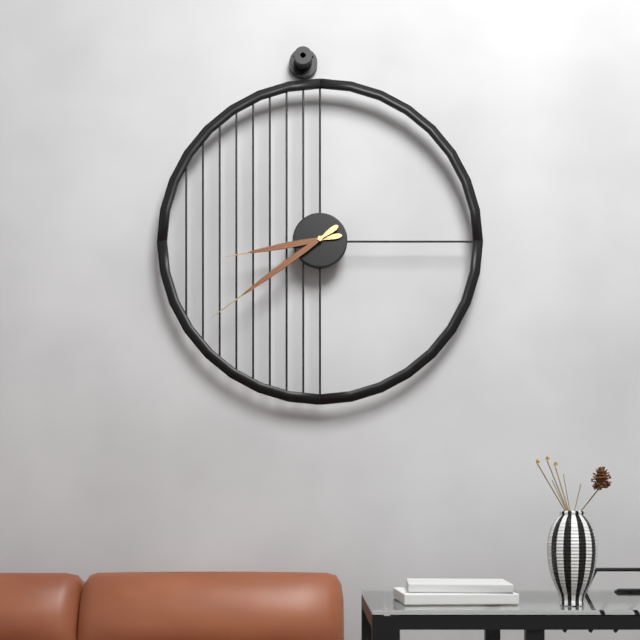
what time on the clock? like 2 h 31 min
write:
8 h 39 min
